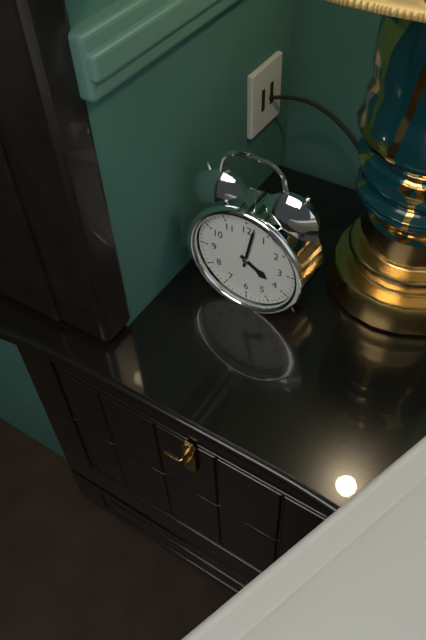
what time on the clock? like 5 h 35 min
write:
4 h 02 min
